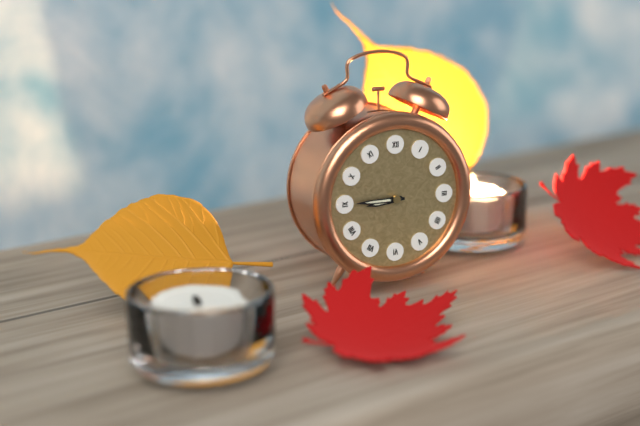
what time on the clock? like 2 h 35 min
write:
8 h 45 min
